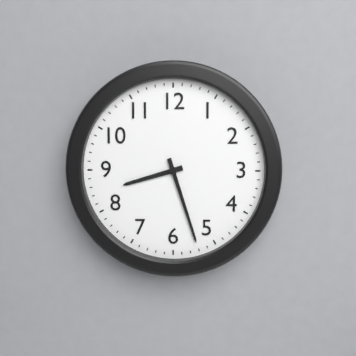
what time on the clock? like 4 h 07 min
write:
8 h 27 min
